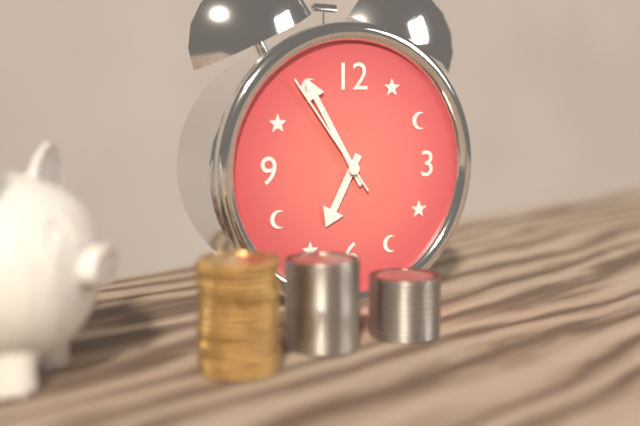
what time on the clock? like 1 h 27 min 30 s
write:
6 h 55 min 54 s
